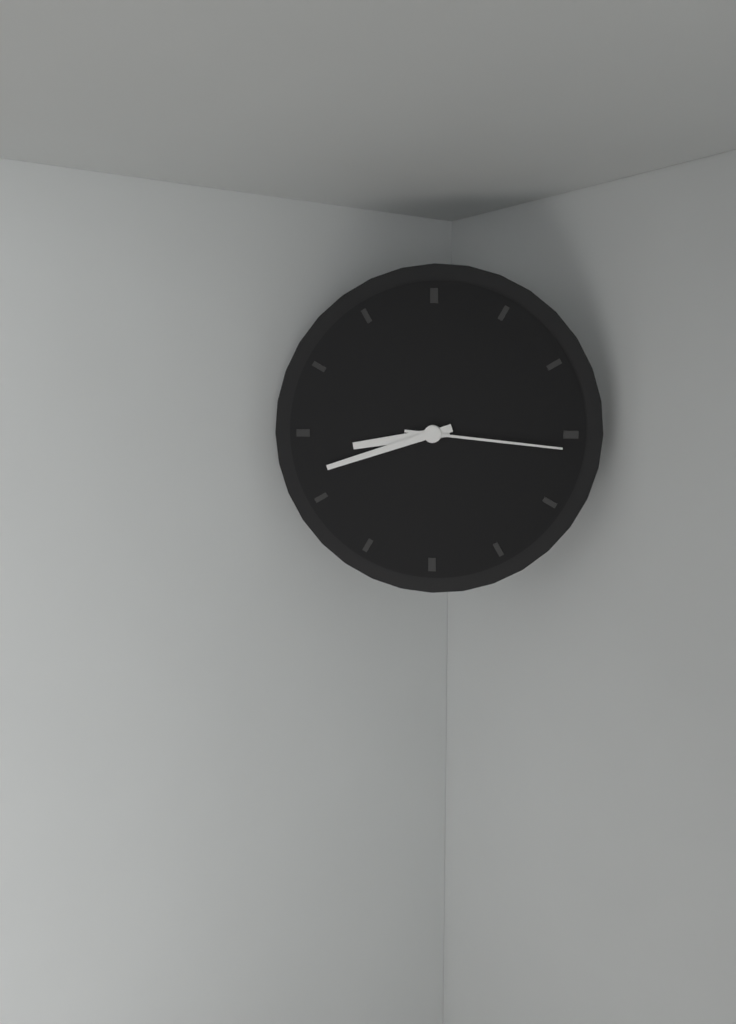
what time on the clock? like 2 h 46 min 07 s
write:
8 h 42 min 16 s
